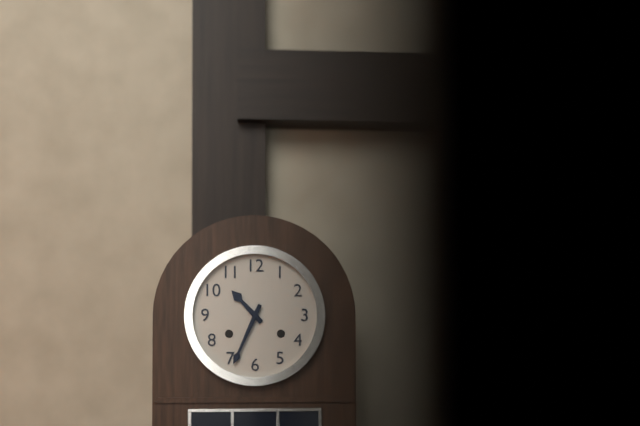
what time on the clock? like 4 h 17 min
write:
10 h 34 min
